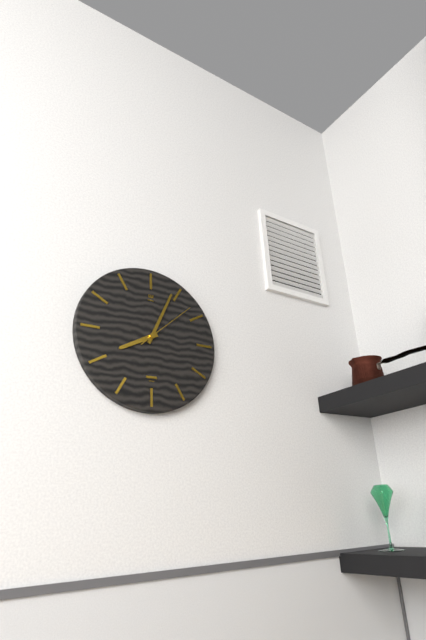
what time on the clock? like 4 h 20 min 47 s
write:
8 h 04 min 08 s
